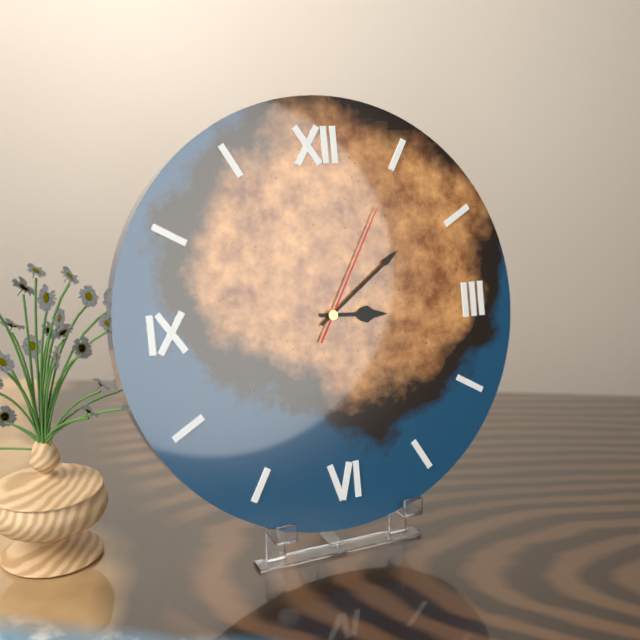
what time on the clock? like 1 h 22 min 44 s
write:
3 h 09 min 05 s
